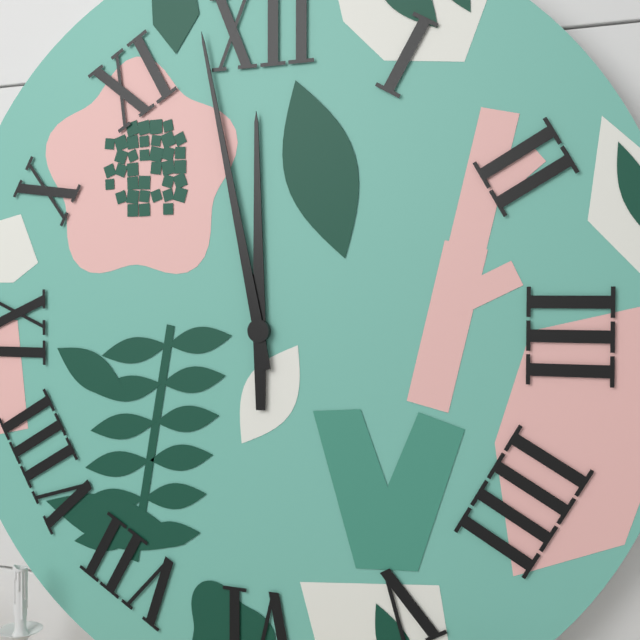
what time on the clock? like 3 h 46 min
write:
11 h 58 min
